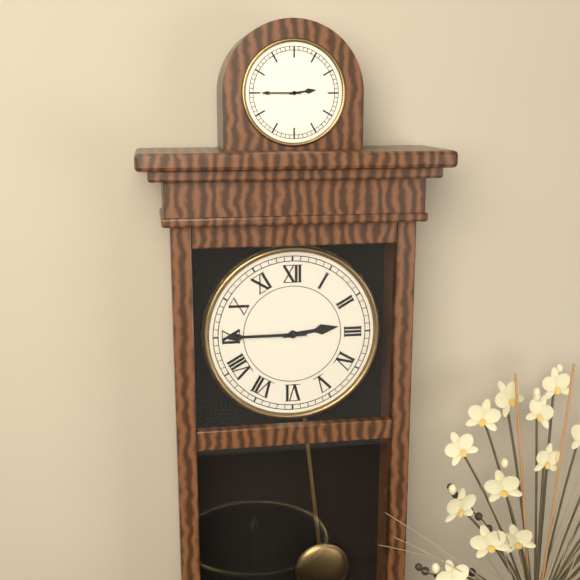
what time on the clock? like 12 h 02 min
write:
2 h 45 min
